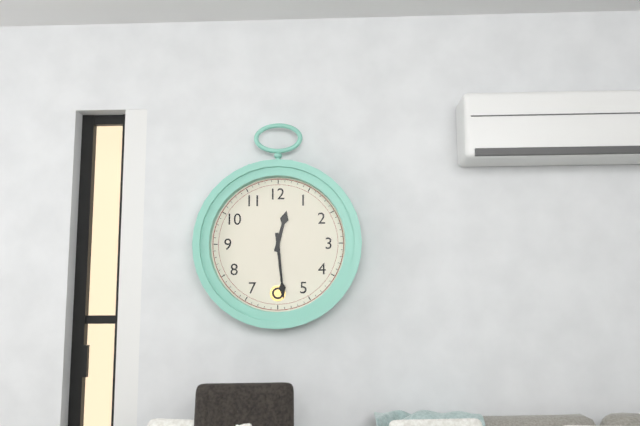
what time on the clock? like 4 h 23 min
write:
12 h 29 min
